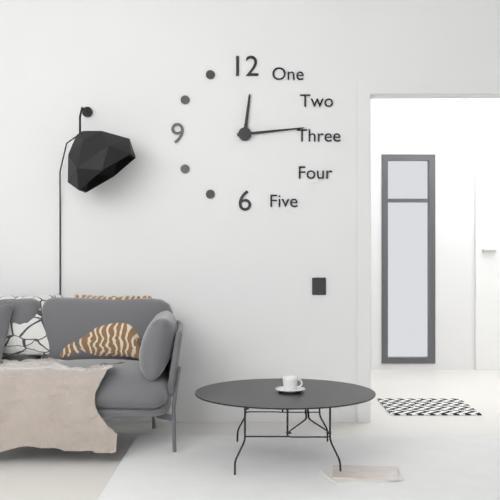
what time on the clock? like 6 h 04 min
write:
12 h 14 min
